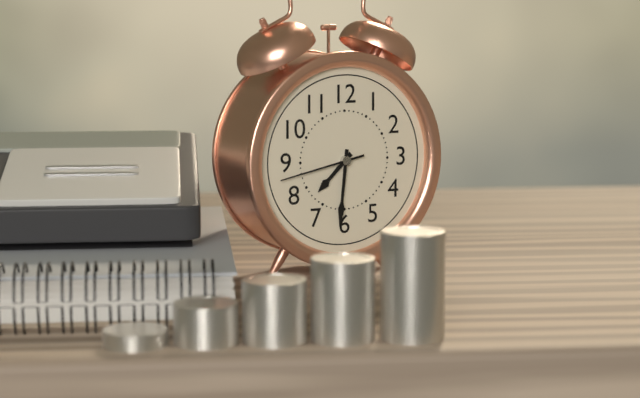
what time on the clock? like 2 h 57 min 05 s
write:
7 h 31 min 43 s
